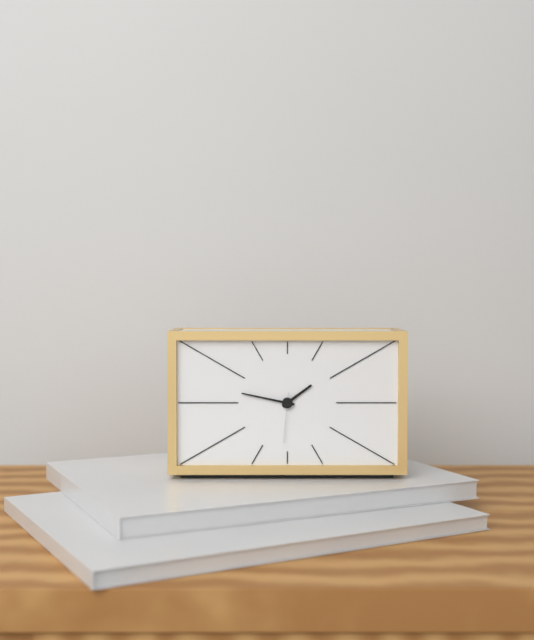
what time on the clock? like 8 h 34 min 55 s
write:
1 h 47 min 31 s
